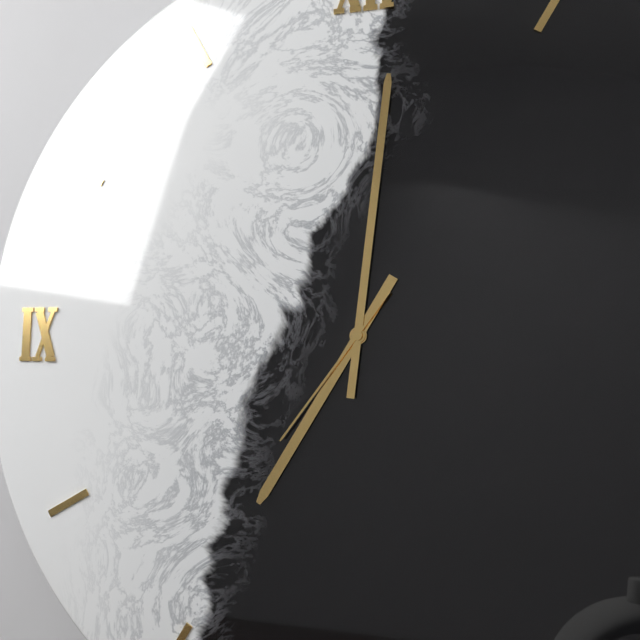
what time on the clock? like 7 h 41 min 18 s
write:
7 h 01 min 36 s
